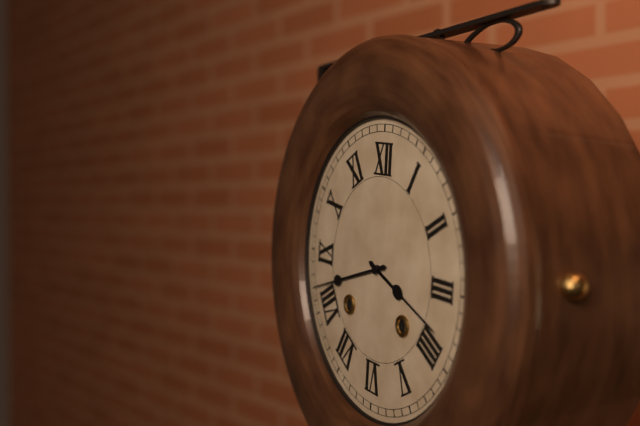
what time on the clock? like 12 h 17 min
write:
3 h 42 min
